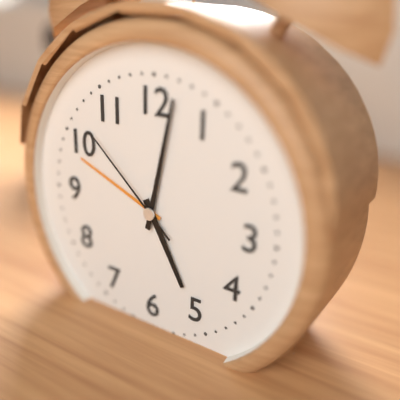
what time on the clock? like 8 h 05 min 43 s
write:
5 h 02 min 52 s
